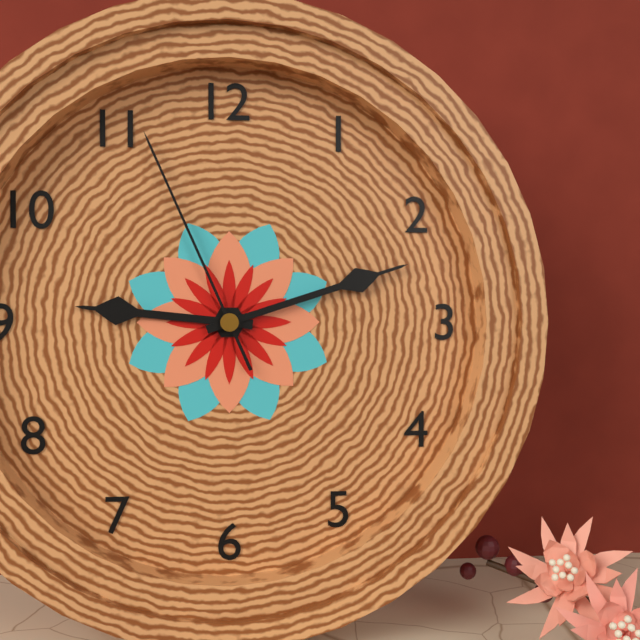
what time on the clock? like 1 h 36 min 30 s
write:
9 h 12 min 56 s
